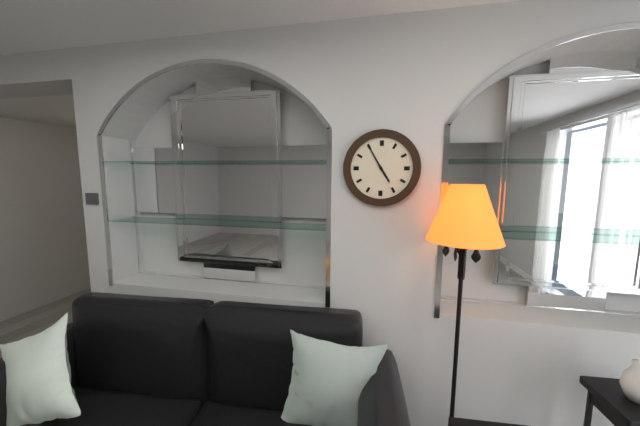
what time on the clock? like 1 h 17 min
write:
4 h 55 min
